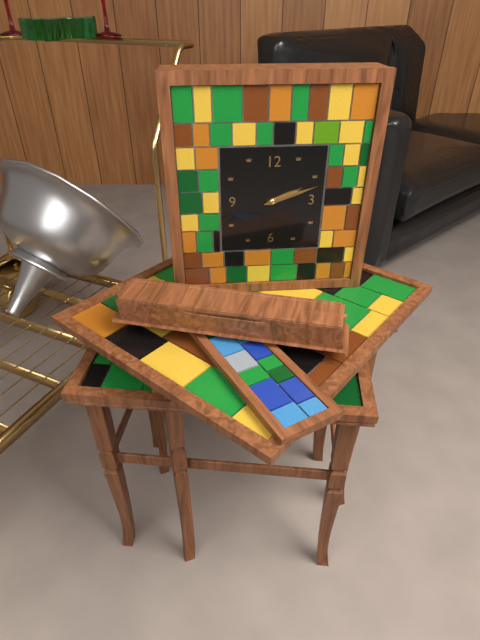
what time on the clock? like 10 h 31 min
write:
2 h 12 min
